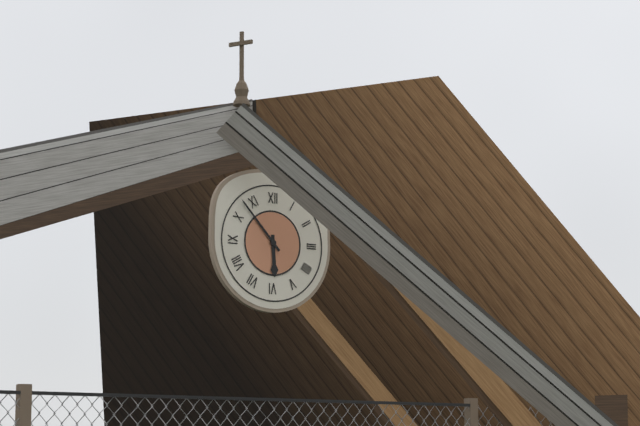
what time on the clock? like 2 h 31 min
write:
5 h 53 min
